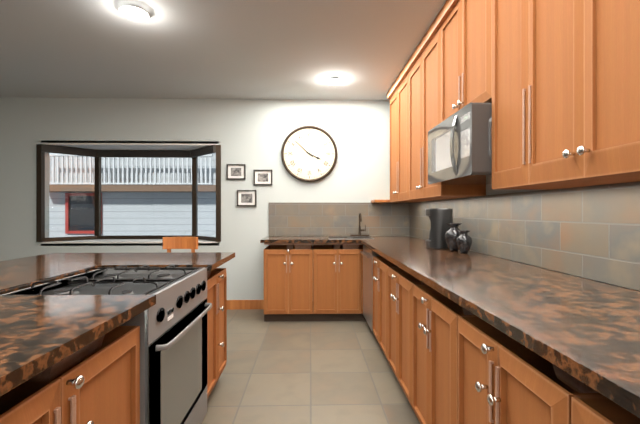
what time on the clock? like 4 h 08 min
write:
3 h 52 min
